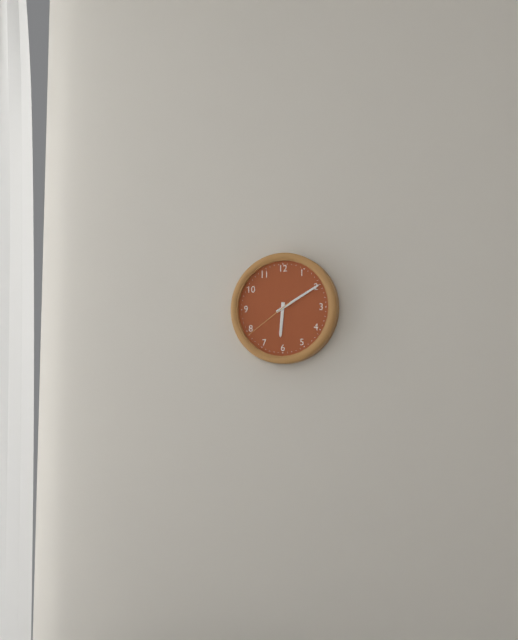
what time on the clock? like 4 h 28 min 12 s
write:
6 h 10 min 39 s
